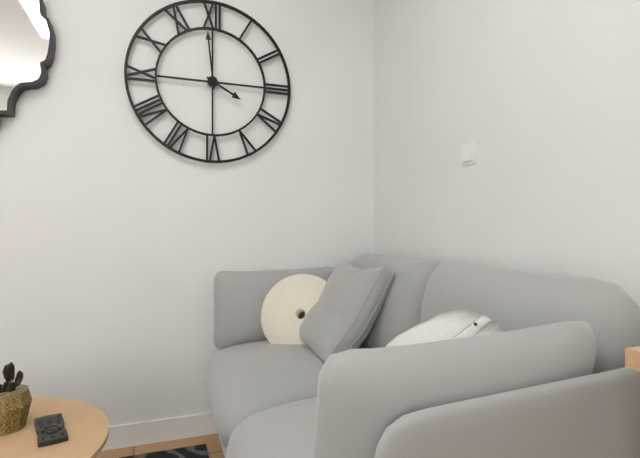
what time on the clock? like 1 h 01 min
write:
3 h 59 min
